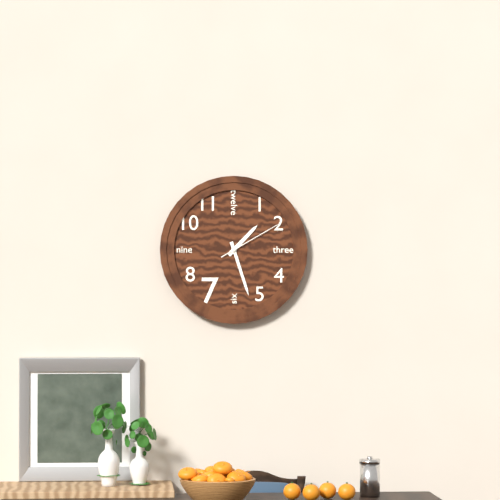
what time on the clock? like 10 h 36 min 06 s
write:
1 h 27 min 10 s
